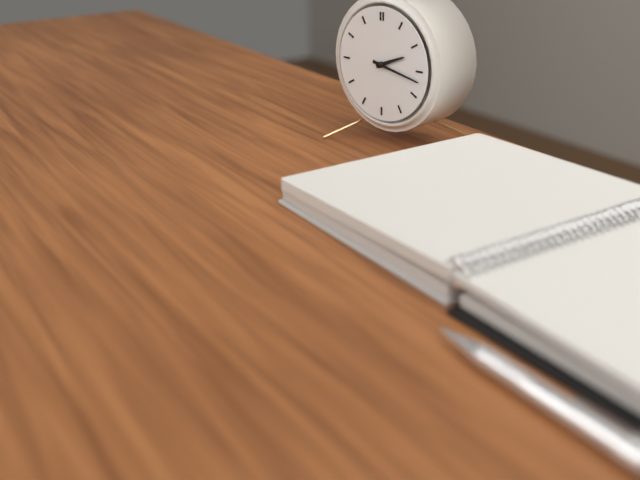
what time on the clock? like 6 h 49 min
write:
2 h 17 min
